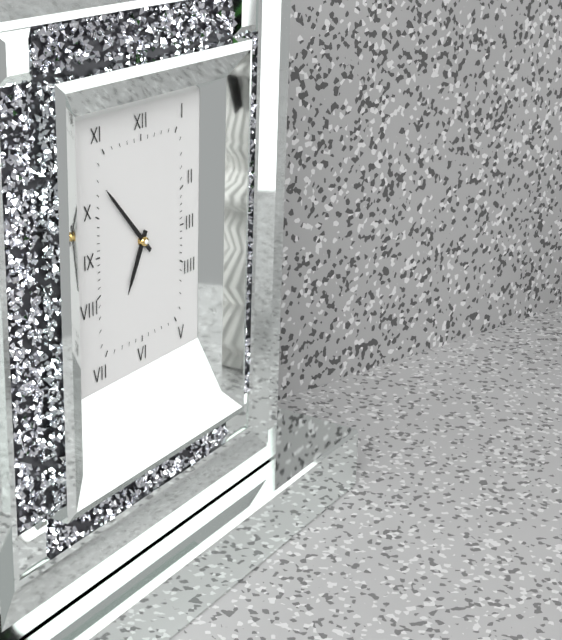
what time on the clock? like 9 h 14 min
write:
6 h 53 min
